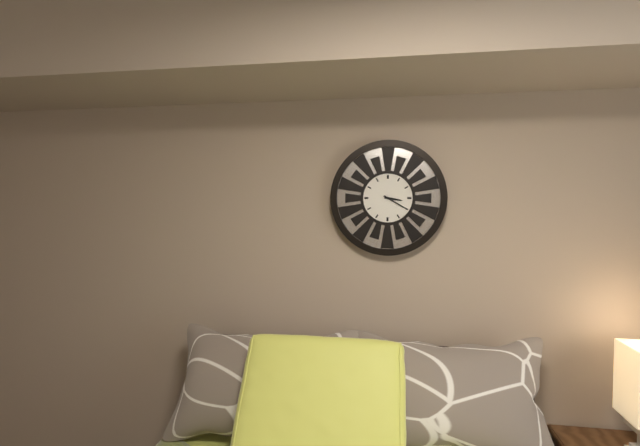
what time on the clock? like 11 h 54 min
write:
3 h 20 min
